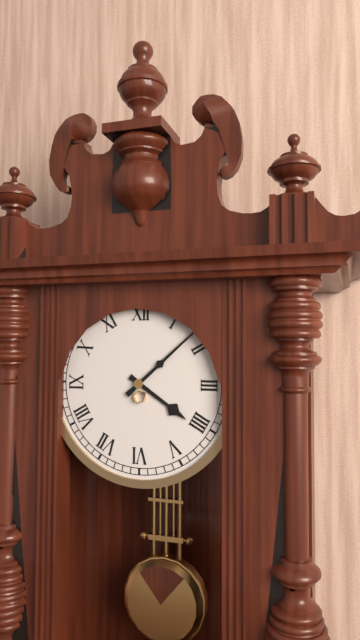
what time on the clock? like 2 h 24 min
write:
4 h 08 min
